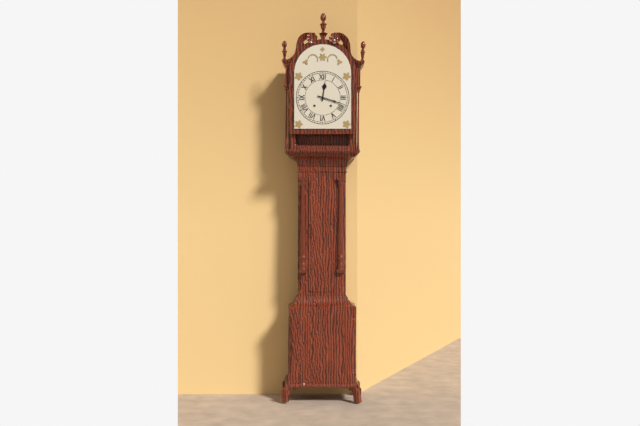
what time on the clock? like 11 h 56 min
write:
12 h 18 min
